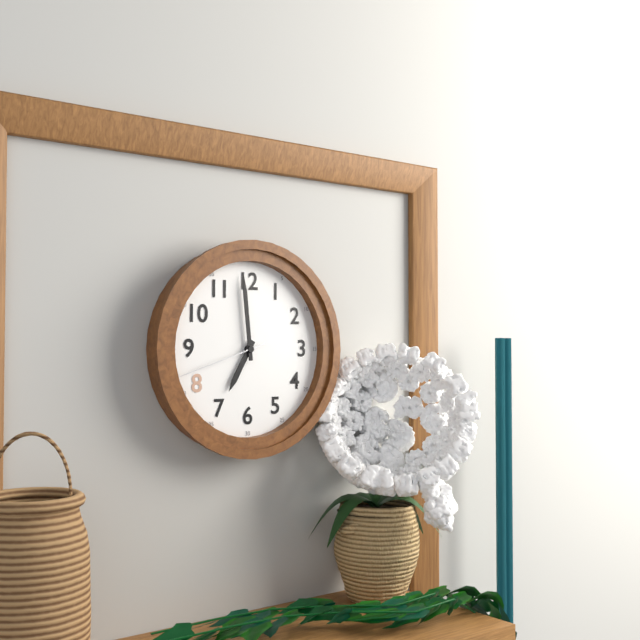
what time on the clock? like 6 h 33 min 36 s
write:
6 h 59 min 42 s
